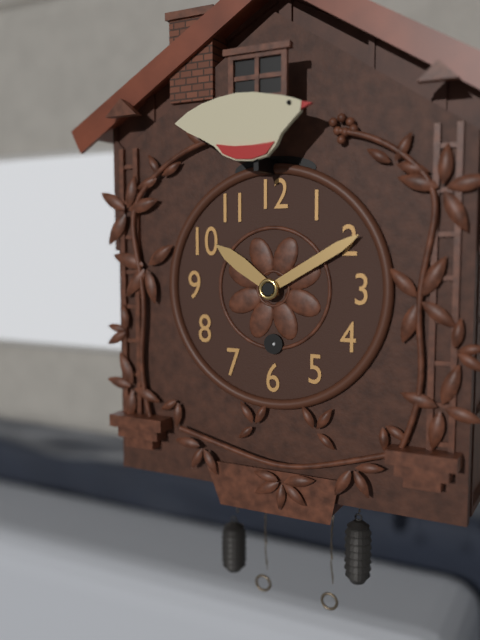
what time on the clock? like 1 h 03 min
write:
10 h 10 min
